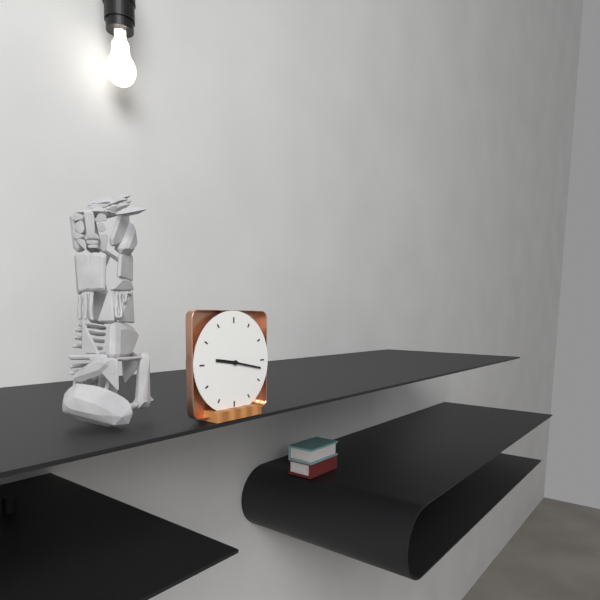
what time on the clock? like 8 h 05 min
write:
9 h 17 min
